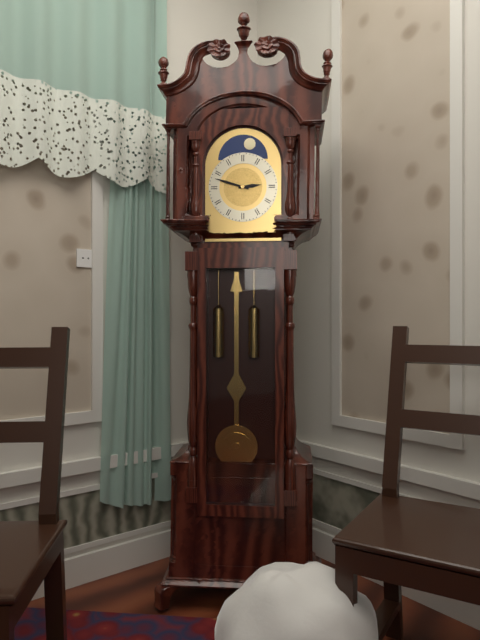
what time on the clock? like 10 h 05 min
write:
2 h 48 min
